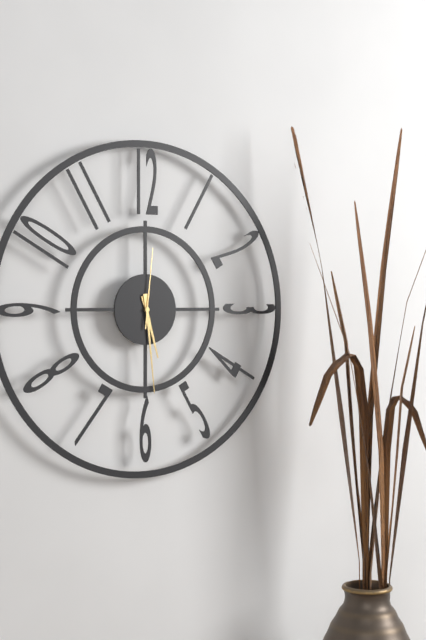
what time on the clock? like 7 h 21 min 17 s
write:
5 h 29 min 01 s
